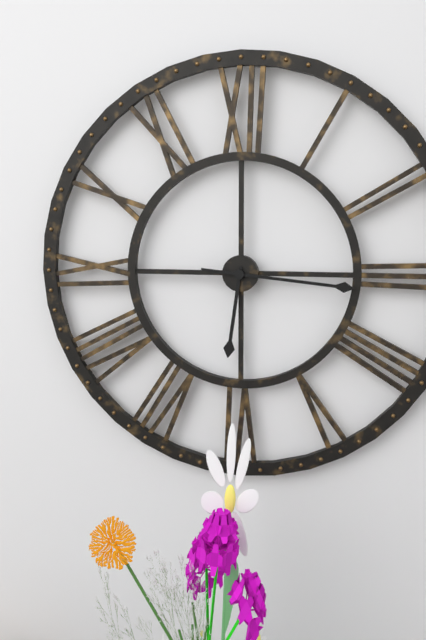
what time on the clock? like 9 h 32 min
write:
6 h 16 min
